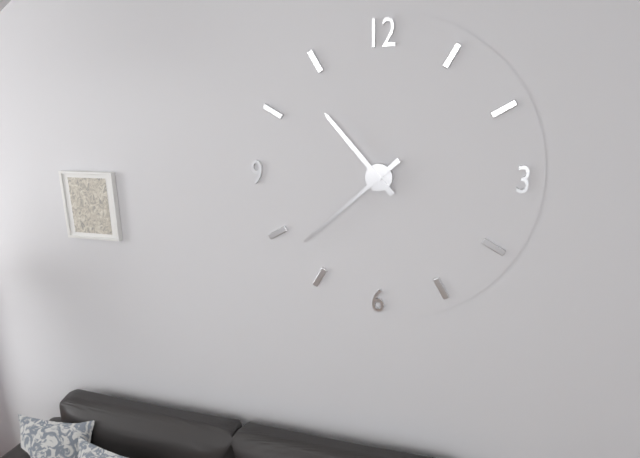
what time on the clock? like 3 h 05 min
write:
10 h 38 min
